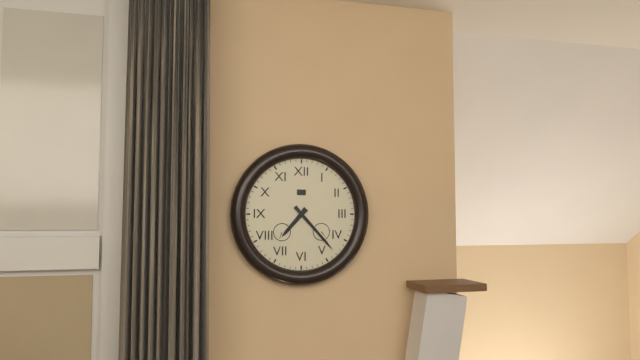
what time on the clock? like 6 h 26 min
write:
7 h 23 min
